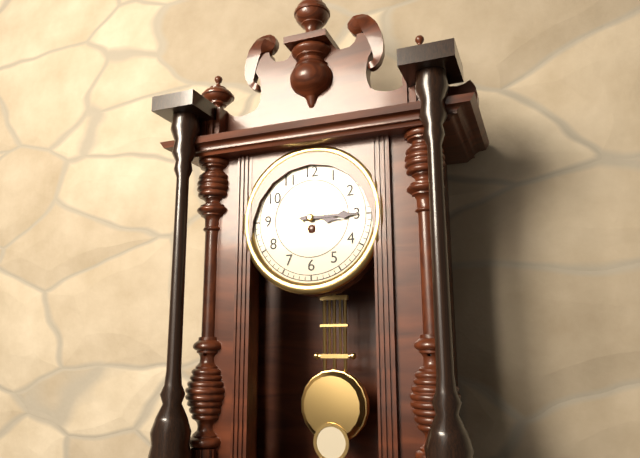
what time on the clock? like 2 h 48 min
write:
3 h 15 min
